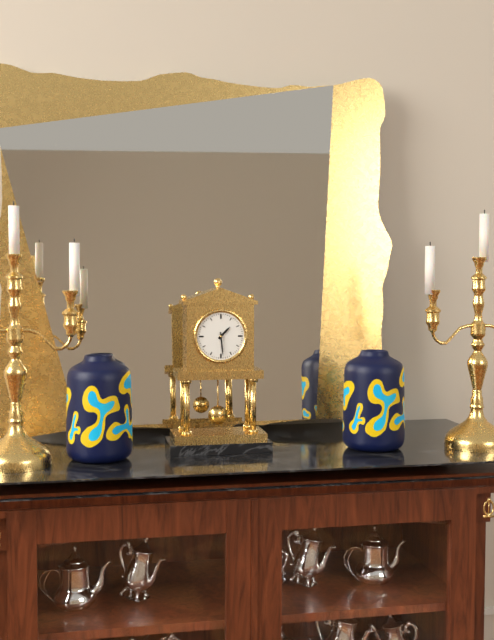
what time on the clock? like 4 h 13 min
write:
1 h 29 min
